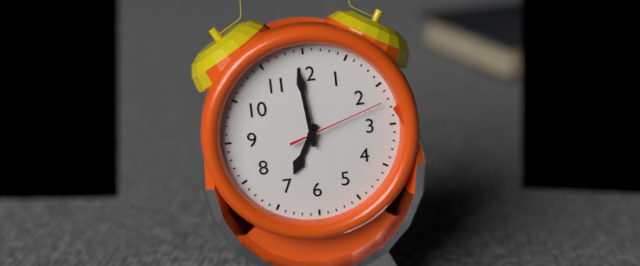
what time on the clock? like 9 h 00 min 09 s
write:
6 h 59 min 12 s
